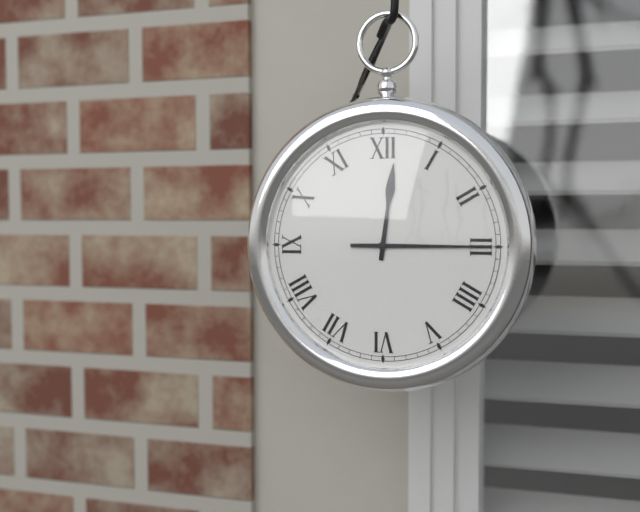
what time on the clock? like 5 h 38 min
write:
12 h 15 min
